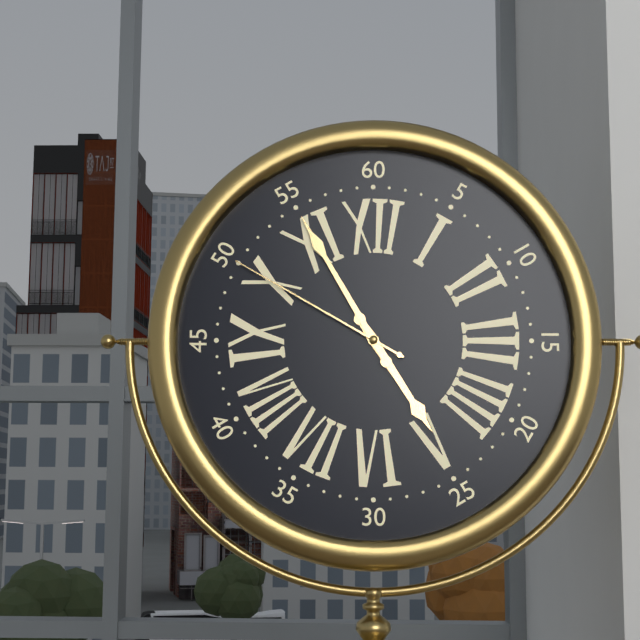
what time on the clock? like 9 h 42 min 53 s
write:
4 h 55 min 50 s
